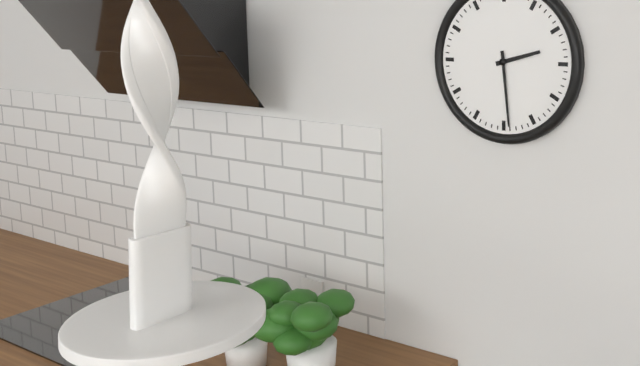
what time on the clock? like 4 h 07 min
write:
2 h 29 min
